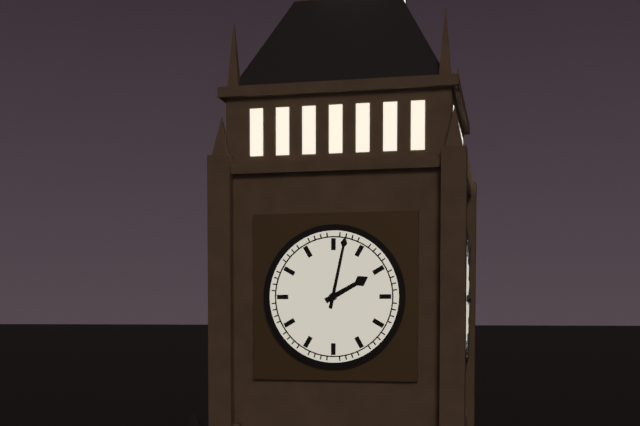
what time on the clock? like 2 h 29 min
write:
2 h 02 min
